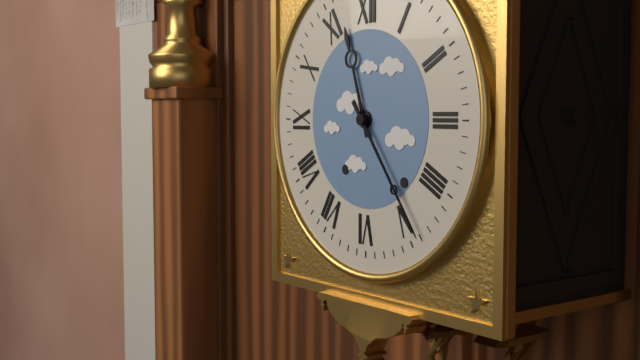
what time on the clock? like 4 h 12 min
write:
11 h 24 min
